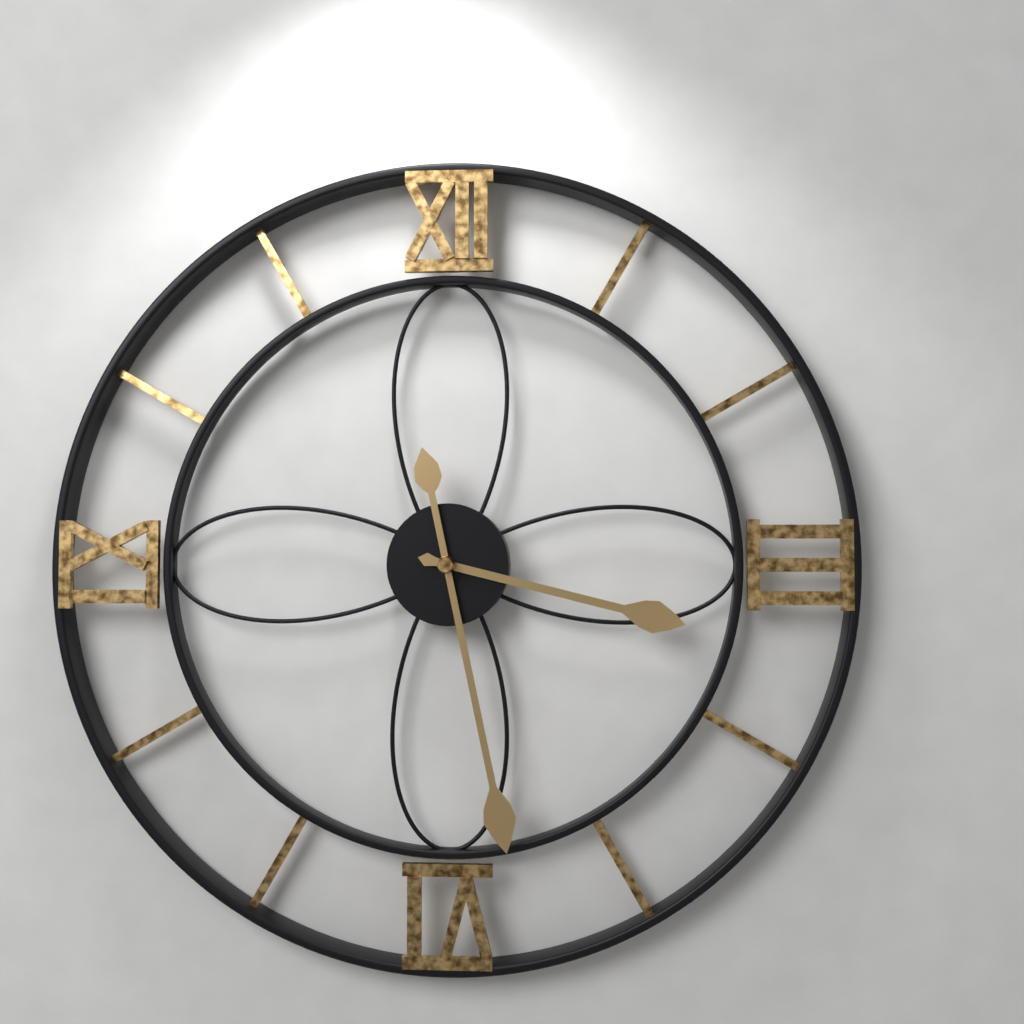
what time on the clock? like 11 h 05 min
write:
3 h 28 min
